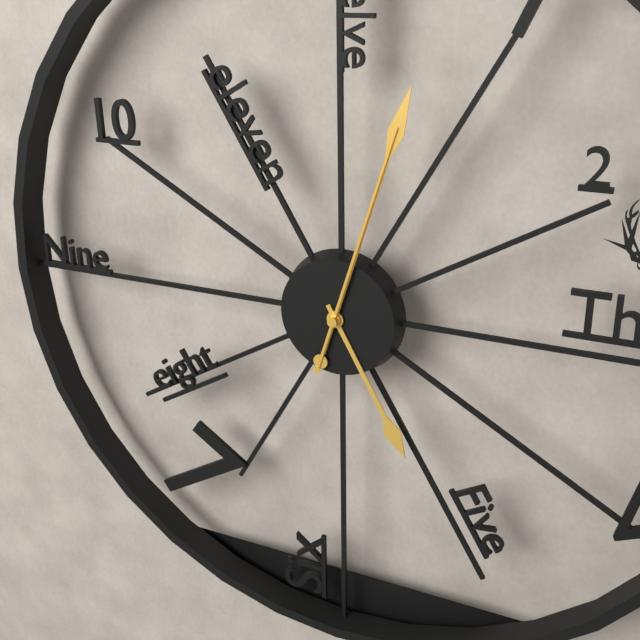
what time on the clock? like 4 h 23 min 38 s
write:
5 h 03 min 03 s
